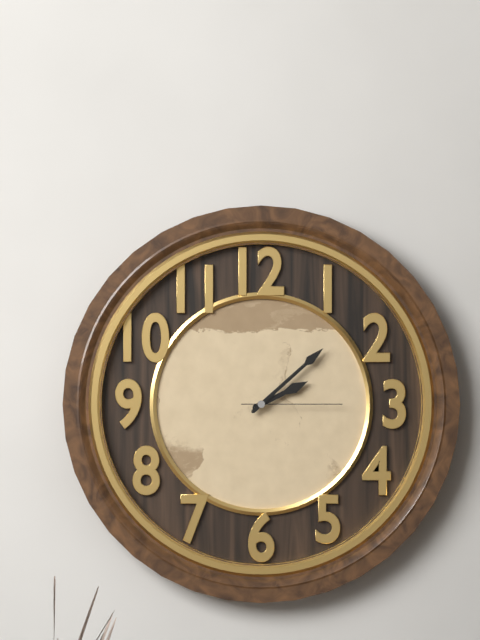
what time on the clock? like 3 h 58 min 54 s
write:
2 h 08 min 15 s
